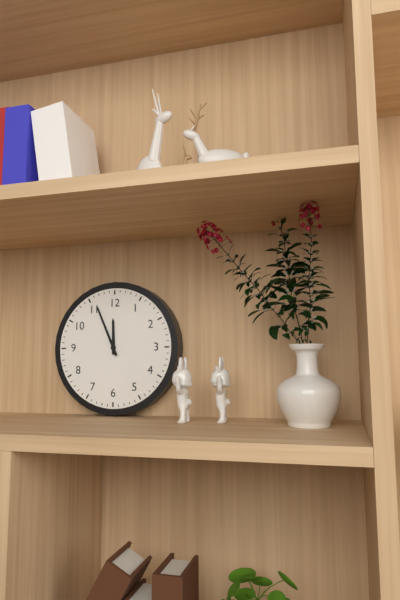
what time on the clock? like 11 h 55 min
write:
11 h 56 min
